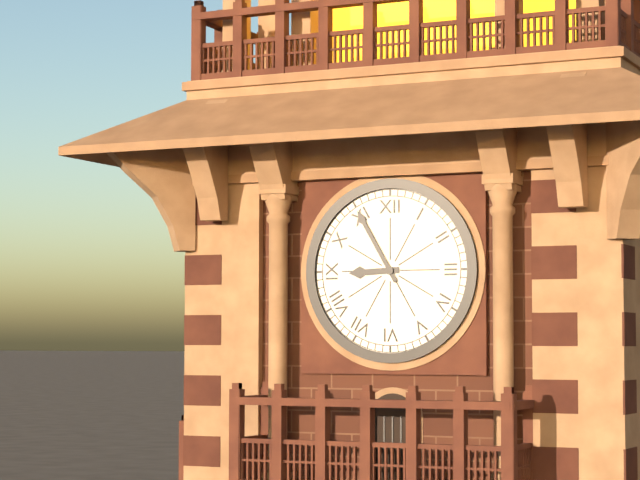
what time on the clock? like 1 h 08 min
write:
8 h 55 min
